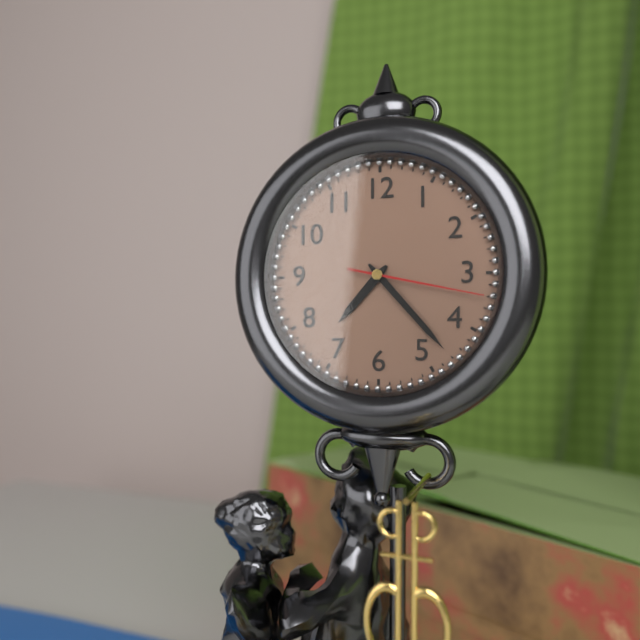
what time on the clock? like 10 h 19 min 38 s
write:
7 h 23 min 17 s
